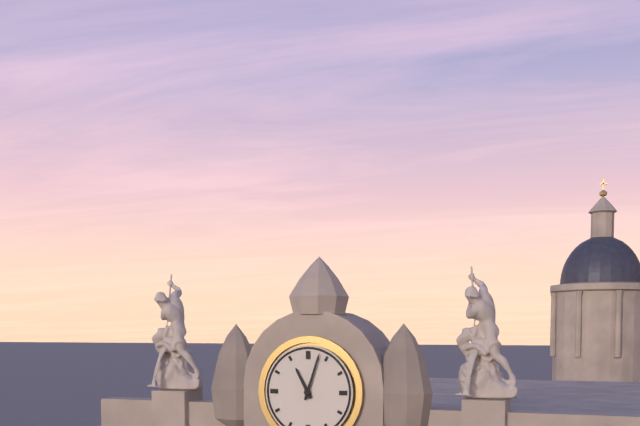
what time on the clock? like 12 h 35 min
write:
11 h 03 min
